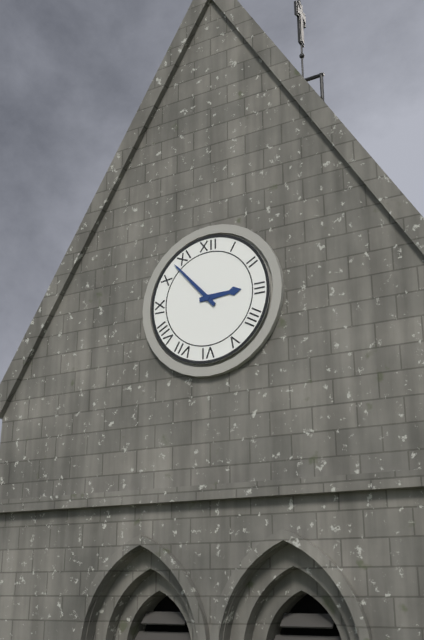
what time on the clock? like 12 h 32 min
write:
2 h 53 min
